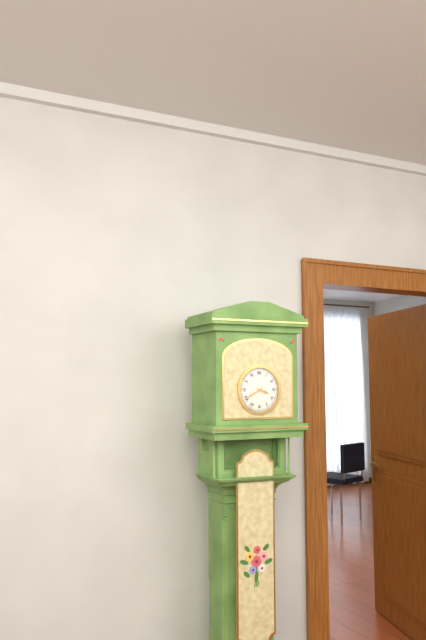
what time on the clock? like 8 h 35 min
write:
3 h 40 min
